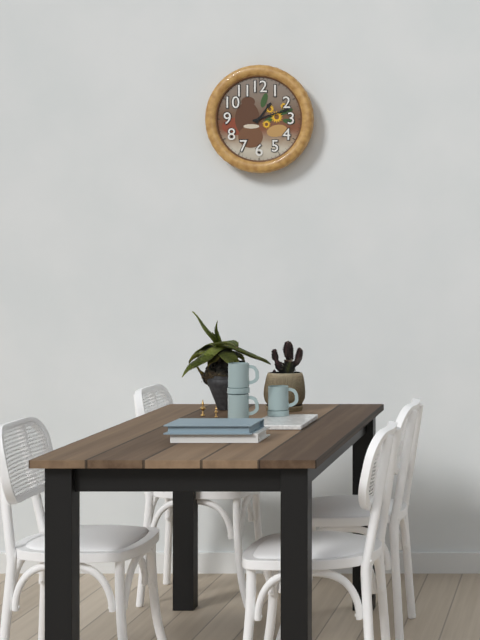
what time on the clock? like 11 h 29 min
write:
1 h 12 min
